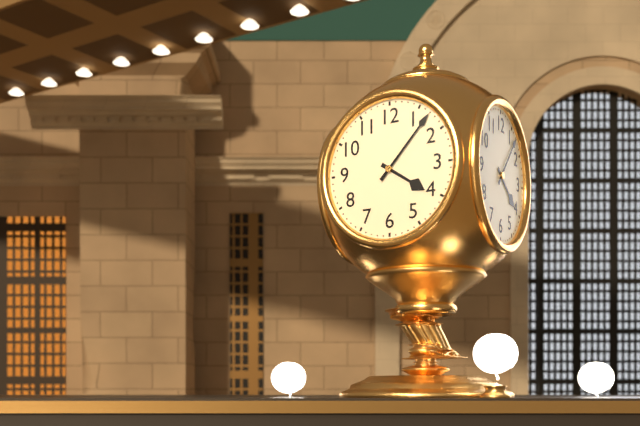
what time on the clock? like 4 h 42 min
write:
4 h 07 min
